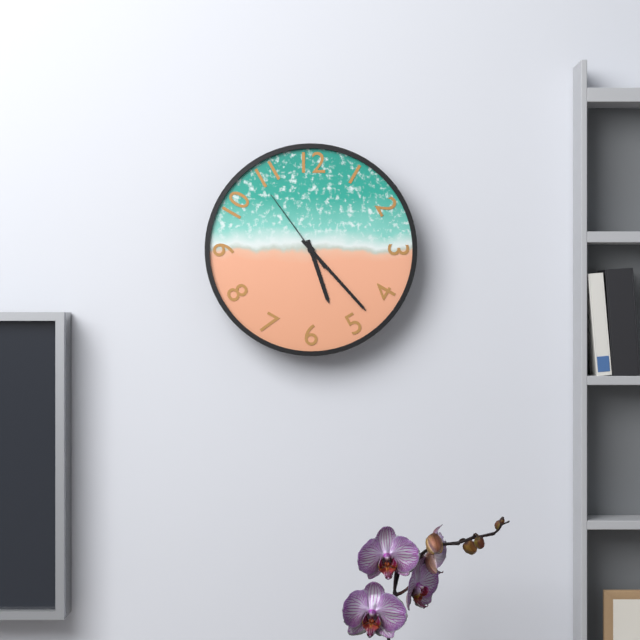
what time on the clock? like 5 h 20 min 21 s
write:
5 h 23 min 54 s
